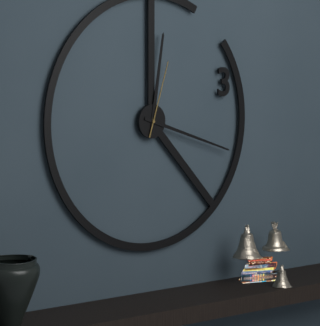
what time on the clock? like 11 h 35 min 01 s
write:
12 h 18 min 03 s
